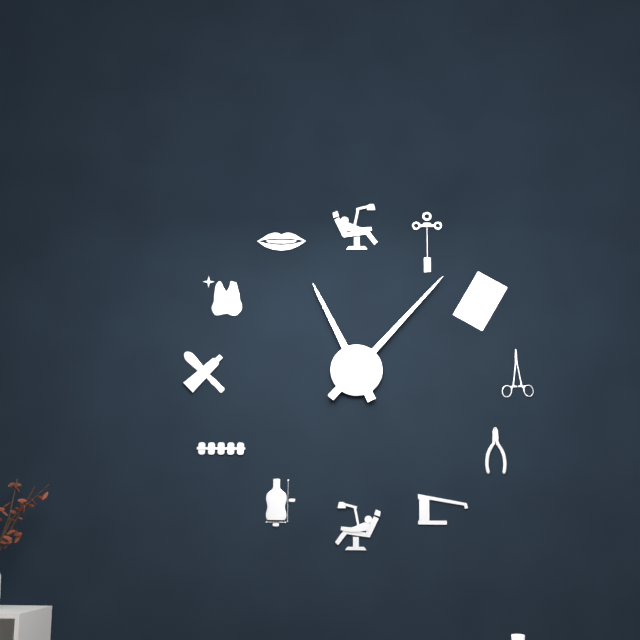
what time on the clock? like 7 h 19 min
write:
11 h 07 min
